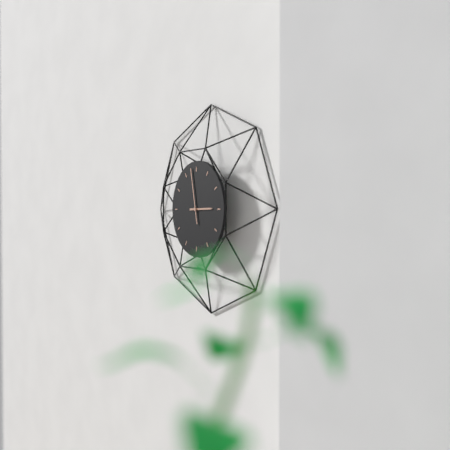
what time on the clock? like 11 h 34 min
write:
2 h 58 min
